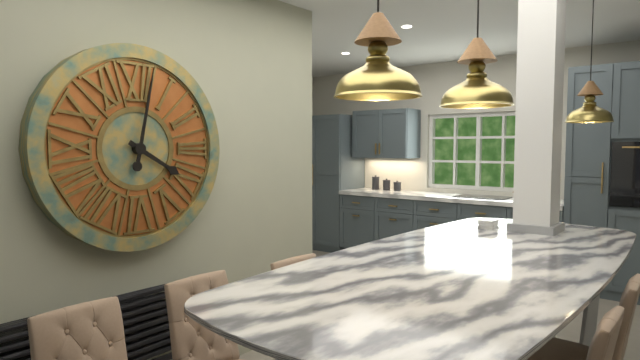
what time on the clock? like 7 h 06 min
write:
4 h 02 min
